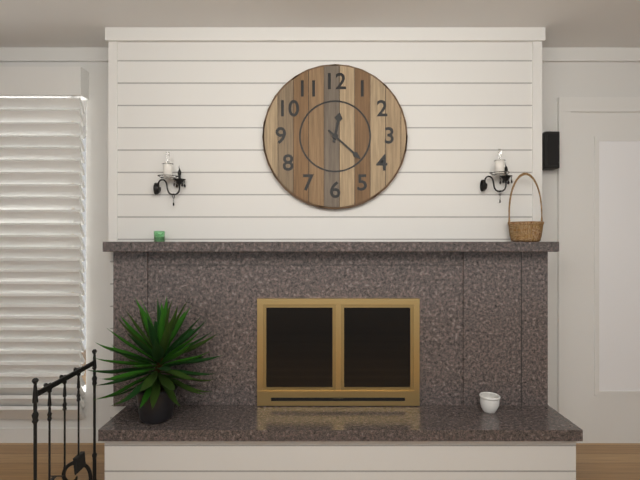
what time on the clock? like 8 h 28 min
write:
12 h 22 min
